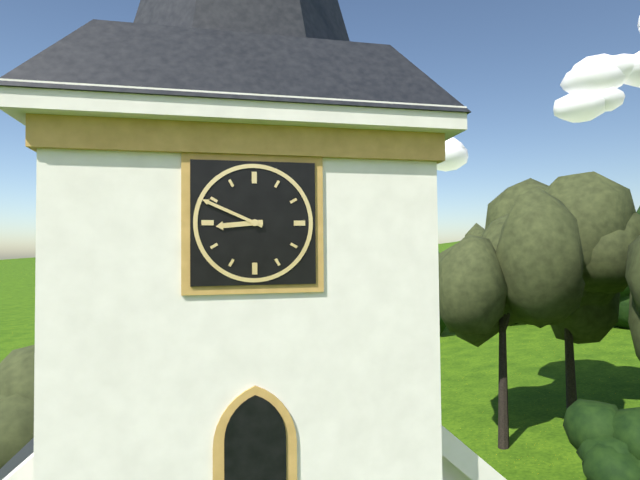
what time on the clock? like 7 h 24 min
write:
8 h 49 min
